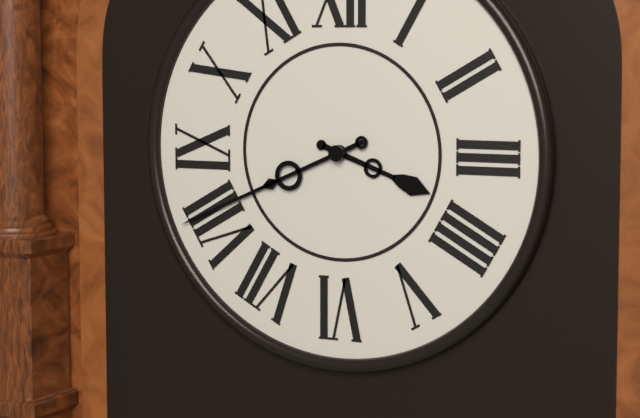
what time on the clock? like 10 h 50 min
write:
3 h 41 min
